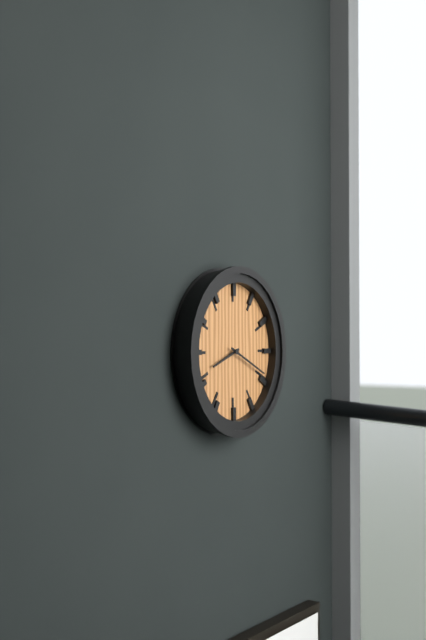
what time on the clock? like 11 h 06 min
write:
8 h 19 min
